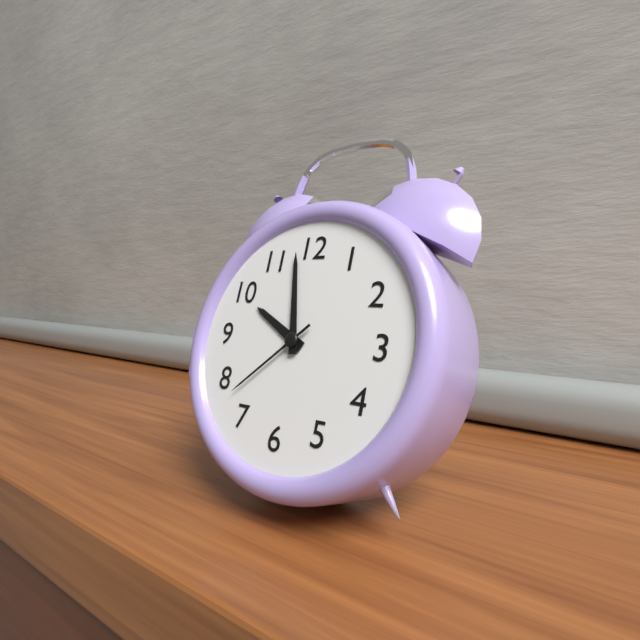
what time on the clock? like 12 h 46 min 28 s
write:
9 h 58 min 38 s
